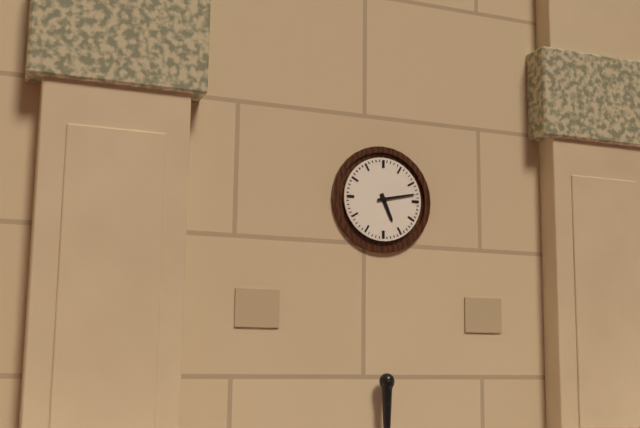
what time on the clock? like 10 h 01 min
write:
5 h 13 min
